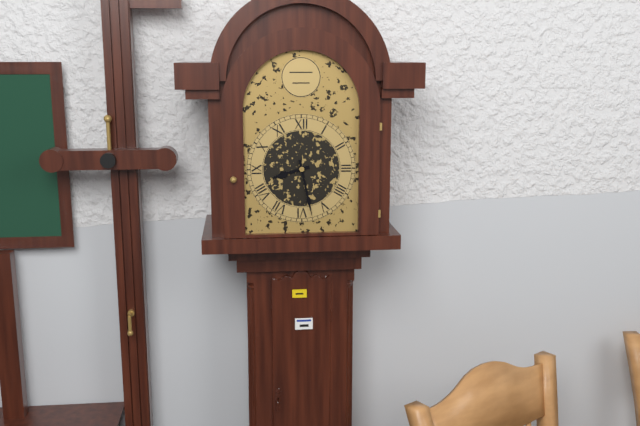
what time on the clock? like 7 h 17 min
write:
8 h 28 min
